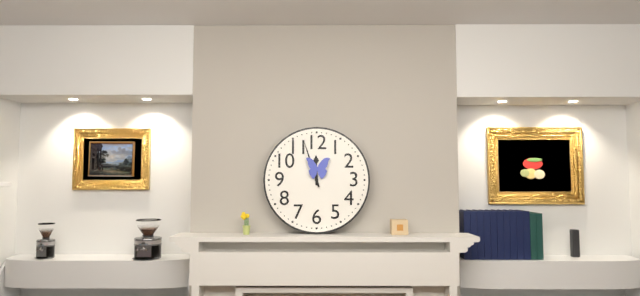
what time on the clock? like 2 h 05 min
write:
11 h 57 min
